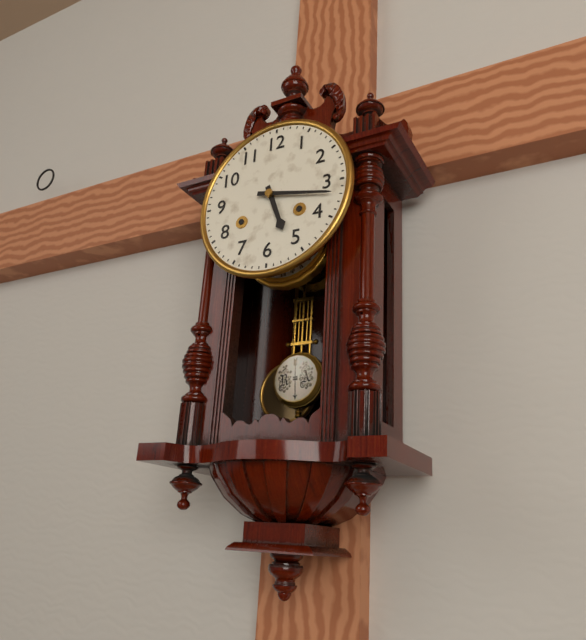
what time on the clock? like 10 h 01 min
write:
5 h 17 min
